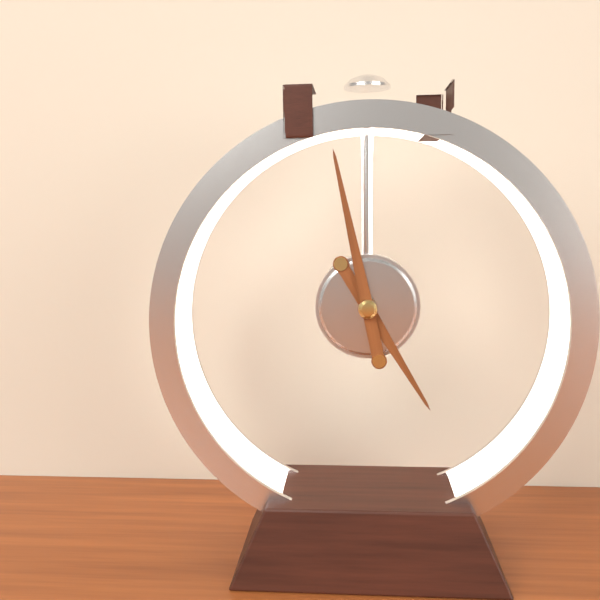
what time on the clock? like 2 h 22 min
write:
4 h 58 min
